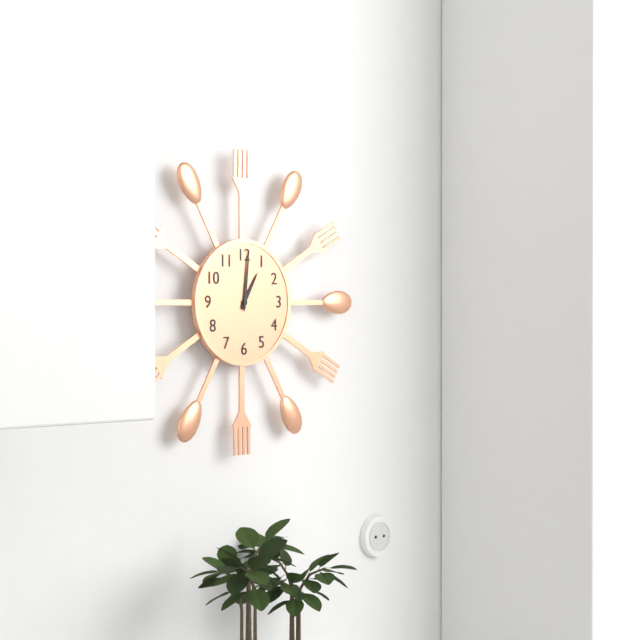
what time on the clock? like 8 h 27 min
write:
1 h 01 min
